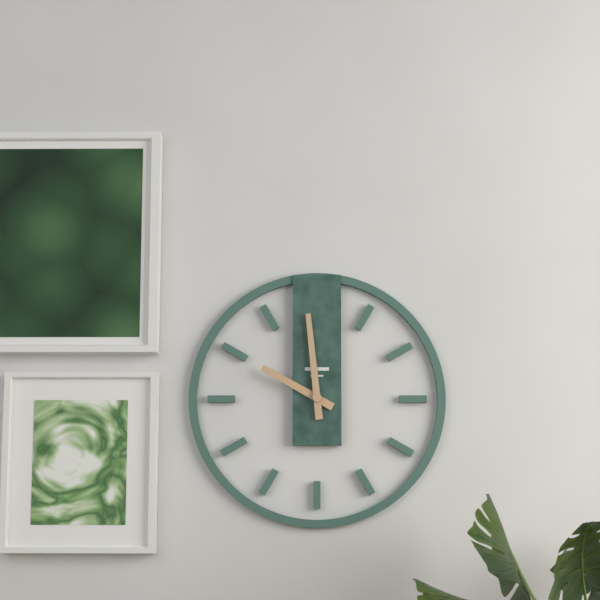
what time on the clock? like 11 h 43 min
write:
9 h 59 min
